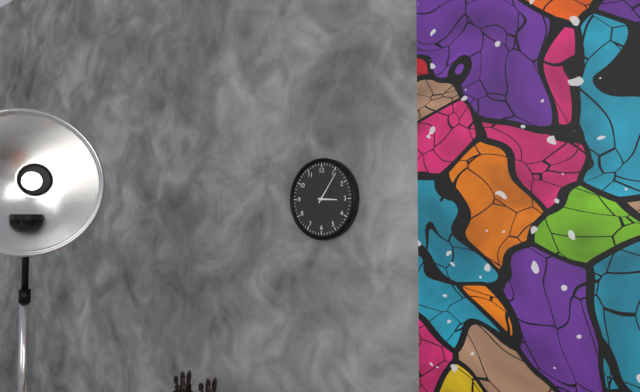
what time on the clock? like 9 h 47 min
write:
3 h 06 min
